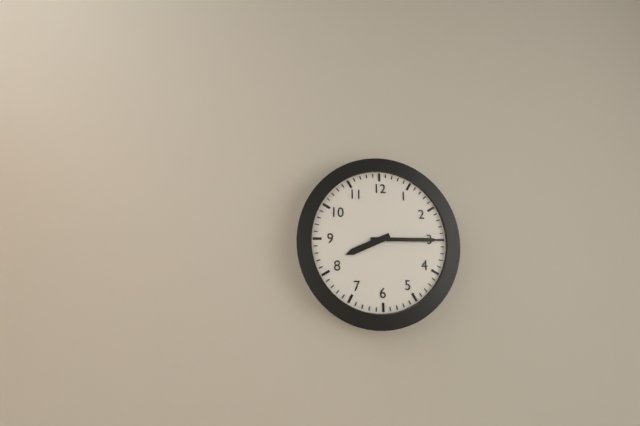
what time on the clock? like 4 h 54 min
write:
8 h 15 min
